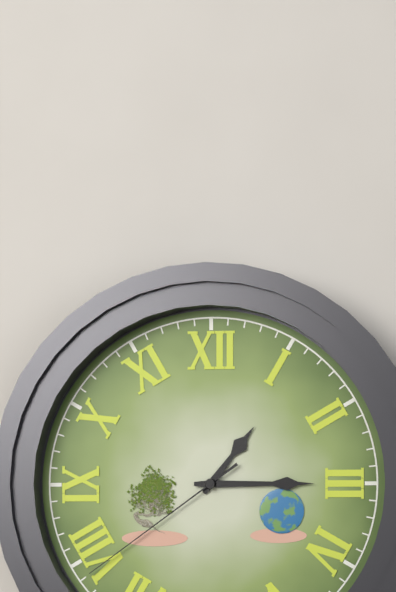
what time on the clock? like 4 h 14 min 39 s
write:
1 h 15 min 39 s
